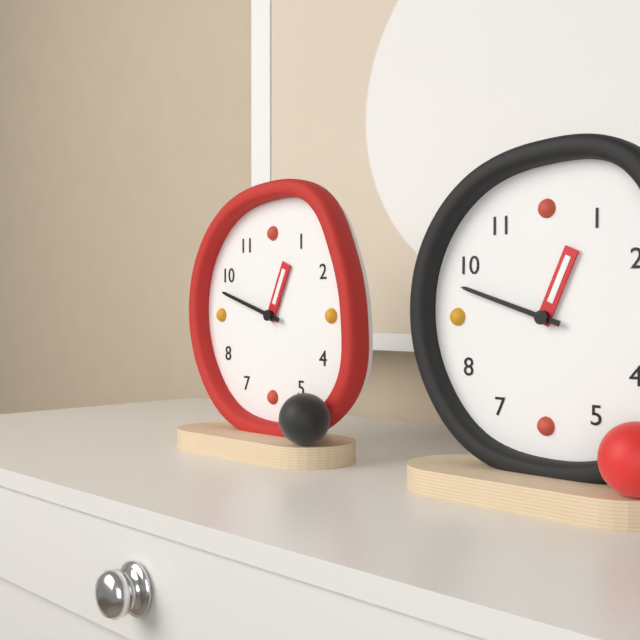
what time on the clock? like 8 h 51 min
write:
12 h 48 min
